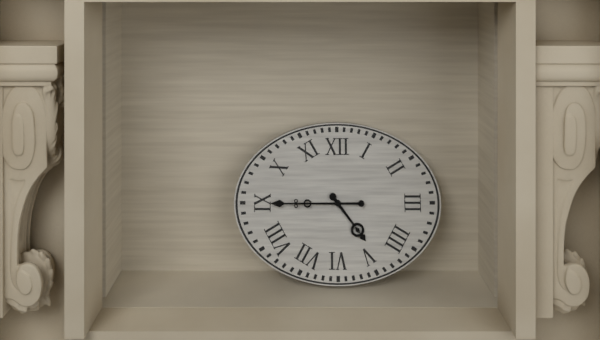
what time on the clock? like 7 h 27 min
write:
4 h 45 min
